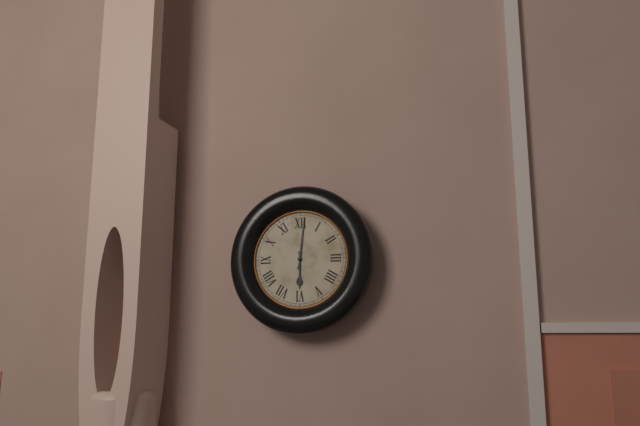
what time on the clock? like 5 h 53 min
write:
6 h 01 min
